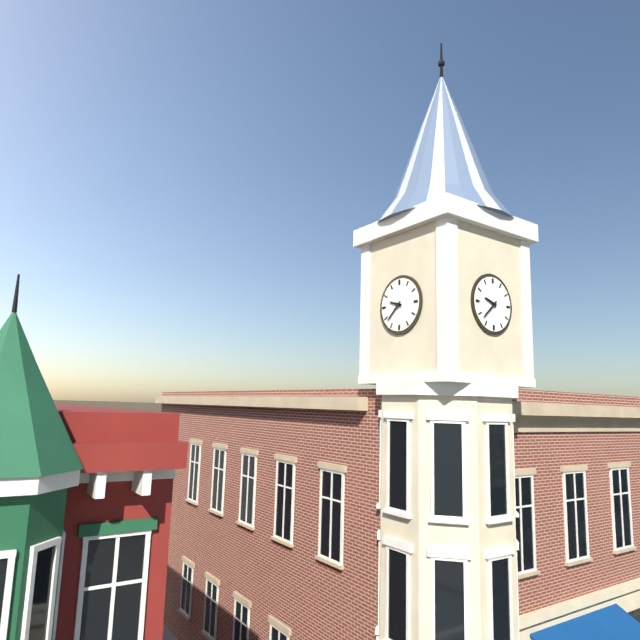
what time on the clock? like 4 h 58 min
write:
9 h 38 min
